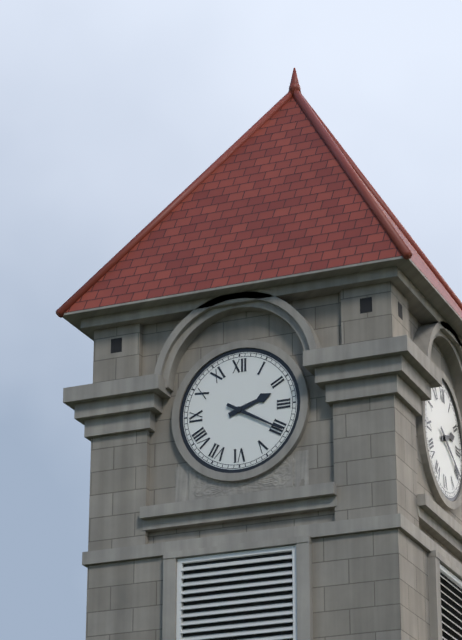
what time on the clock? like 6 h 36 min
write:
2 h 20 min
